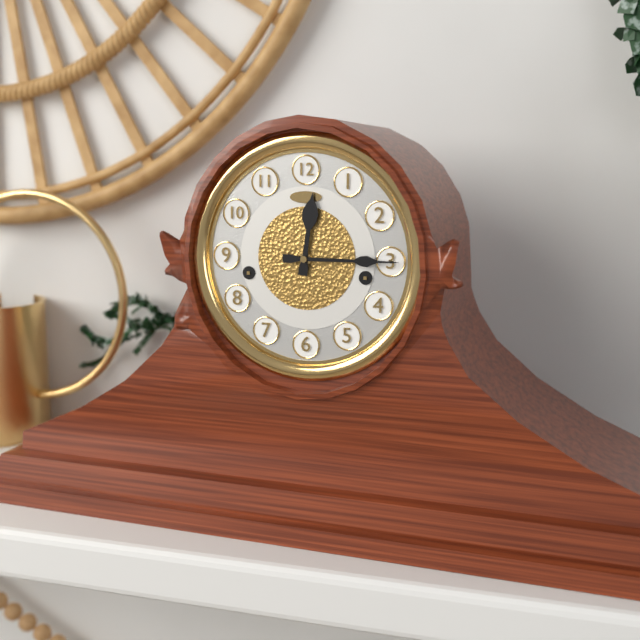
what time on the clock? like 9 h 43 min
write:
12 h 15 min
